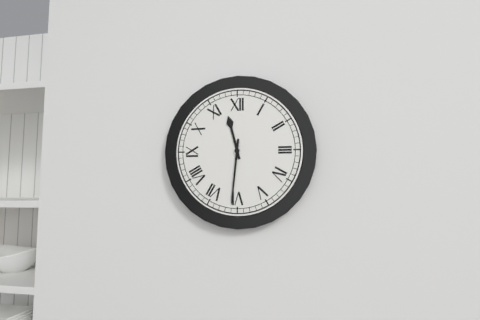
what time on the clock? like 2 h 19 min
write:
11 h 31 min
